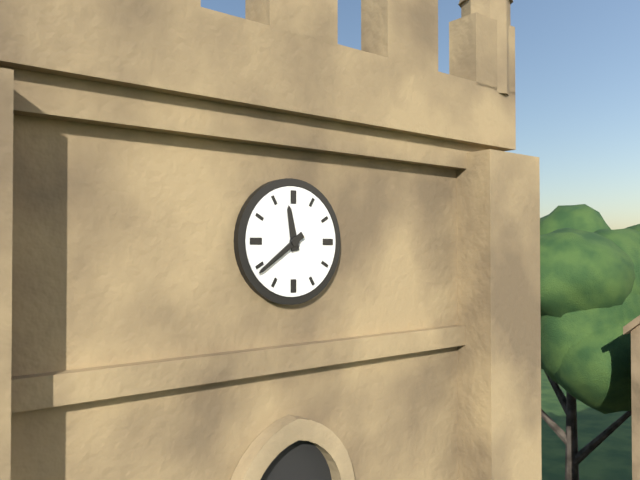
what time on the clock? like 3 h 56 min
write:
11 h 39 min
